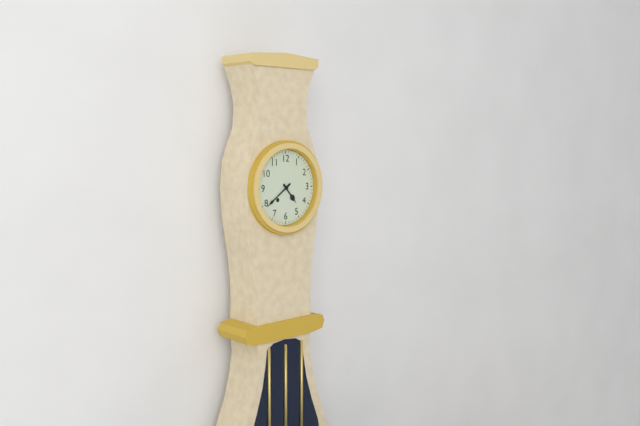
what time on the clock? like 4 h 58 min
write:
4 h 39 min
